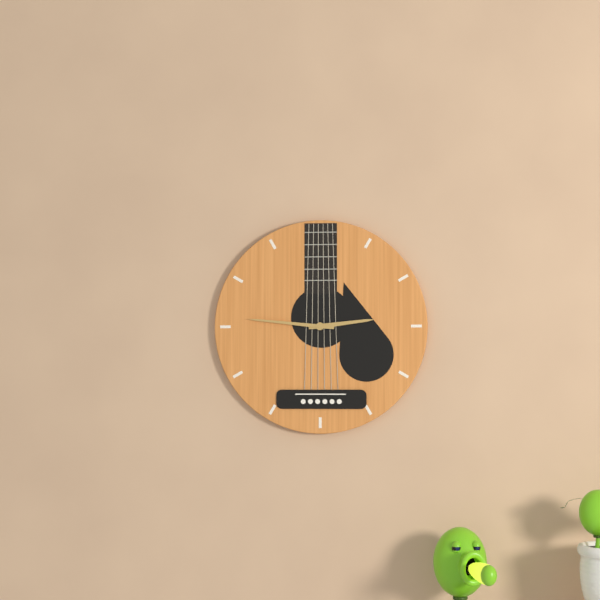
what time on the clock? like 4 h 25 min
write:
2 h 46 min
